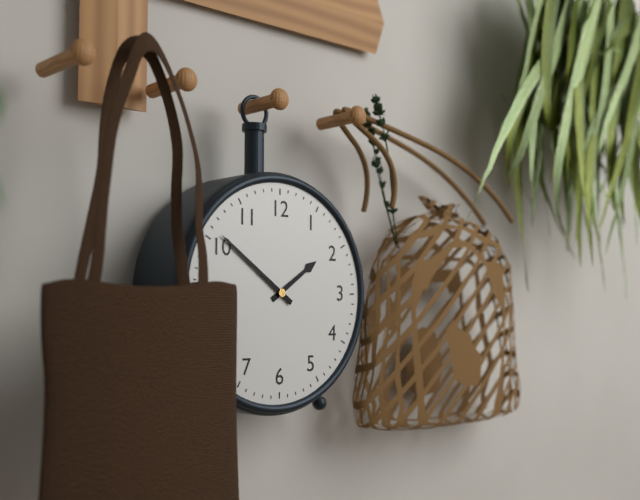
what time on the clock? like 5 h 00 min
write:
1 h 51 min
